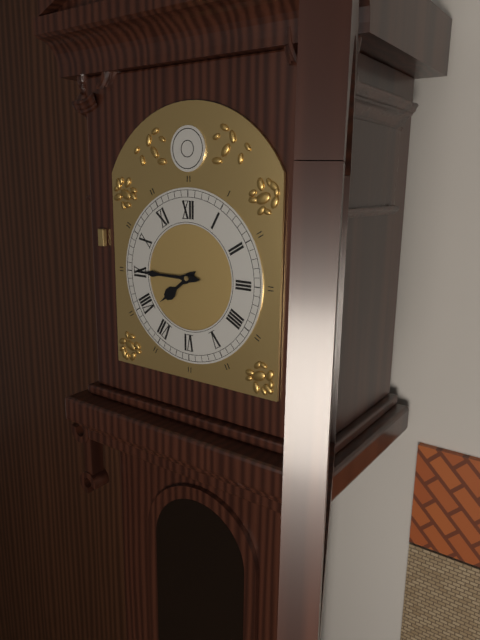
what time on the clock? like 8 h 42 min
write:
7 h 45 min
